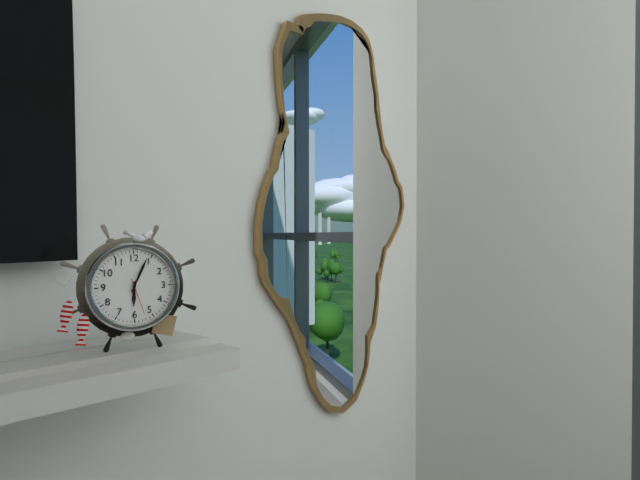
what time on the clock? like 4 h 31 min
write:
6 h 04 min
